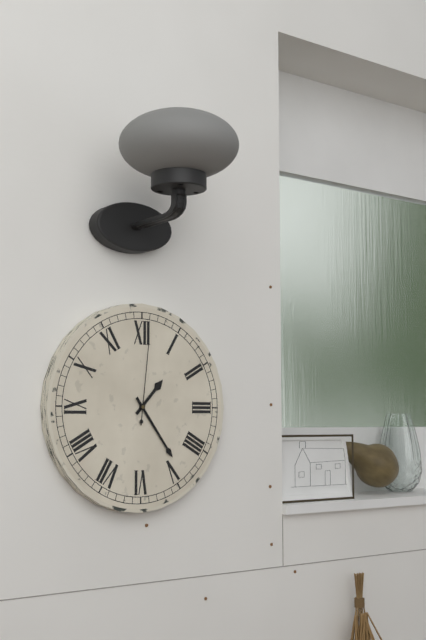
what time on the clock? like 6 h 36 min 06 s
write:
1 h 24 min 01 s
